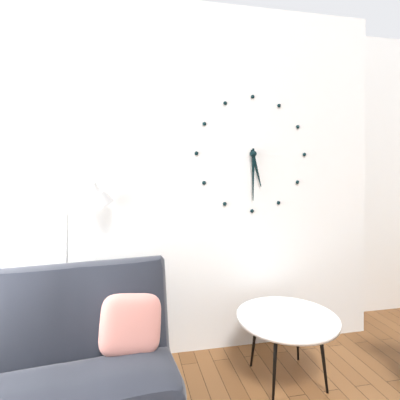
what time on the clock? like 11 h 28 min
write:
5 h 30 min
